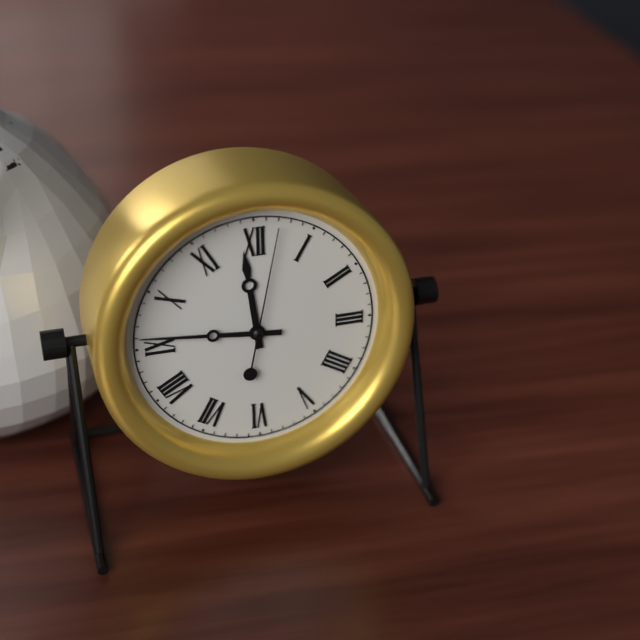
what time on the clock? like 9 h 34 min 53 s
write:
11 h 46 min 02 s
